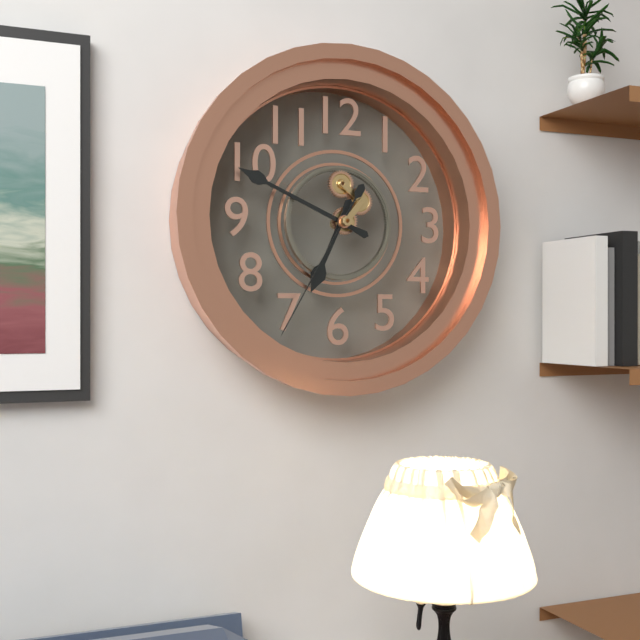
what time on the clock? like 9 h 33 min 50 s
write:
6 h 49 min 35 s
